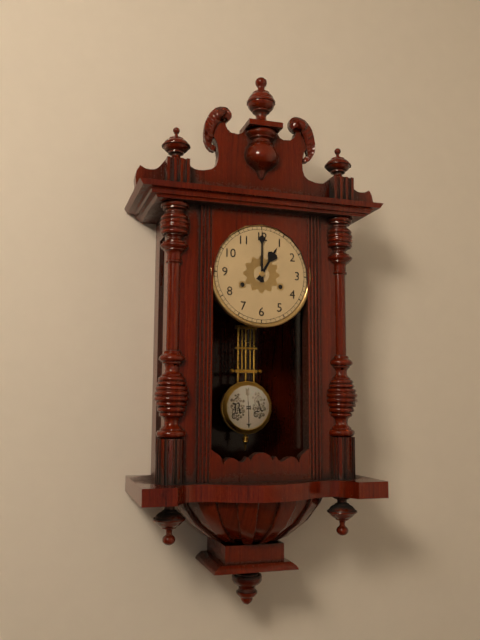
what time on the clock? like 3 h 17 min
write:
1 h 00 min
